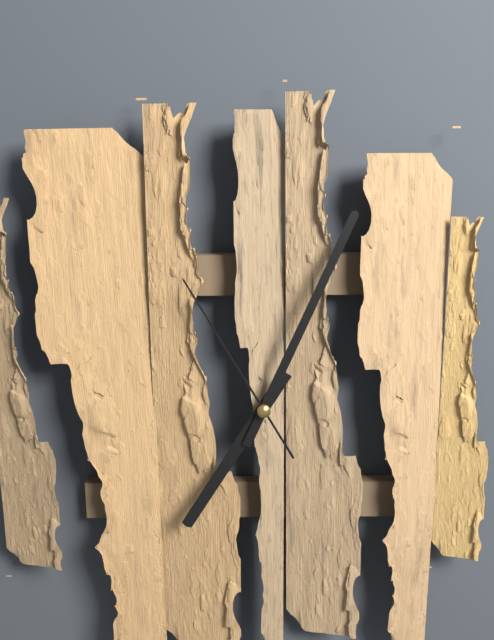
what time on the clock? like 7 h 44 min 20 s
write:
7 h 04 min 55 s
